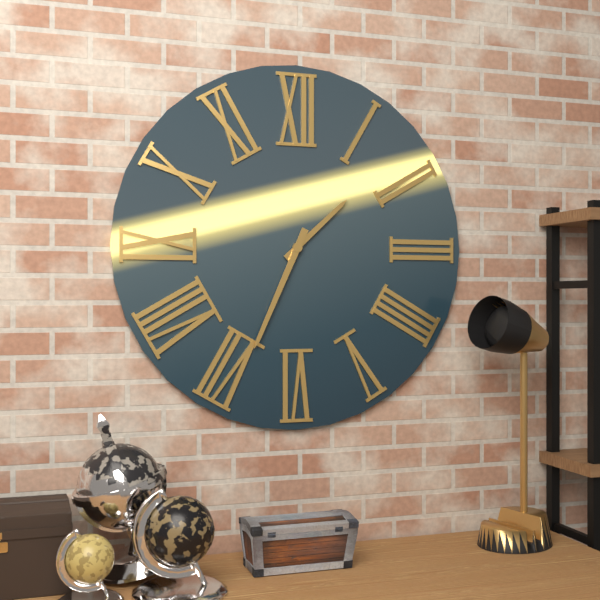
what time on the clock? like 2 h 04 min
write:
1 h 34 min
